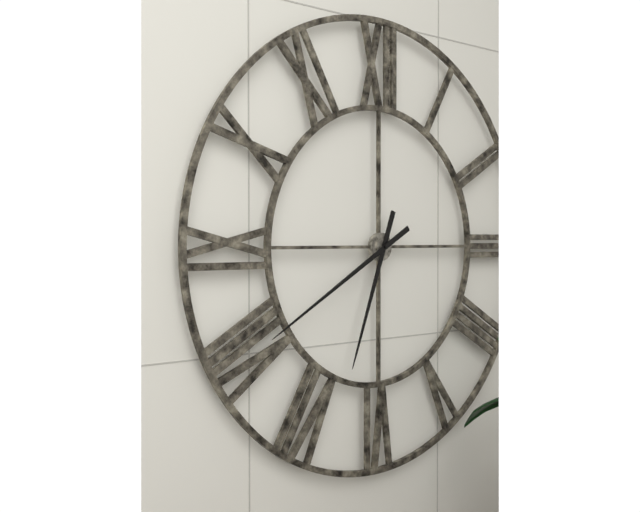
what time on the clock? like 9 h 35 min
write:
6 h 40 min
